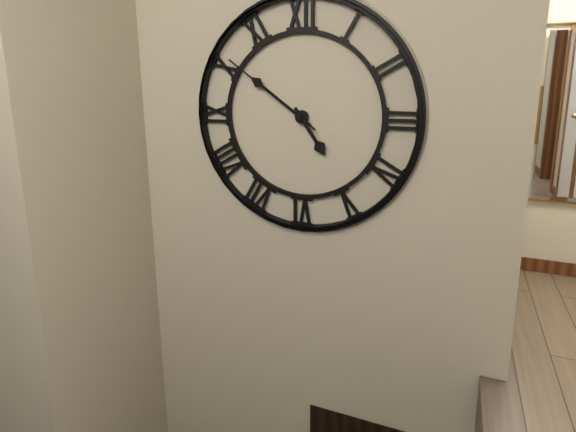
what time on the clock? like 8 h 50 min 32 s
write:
4 h 51 min 51 s
